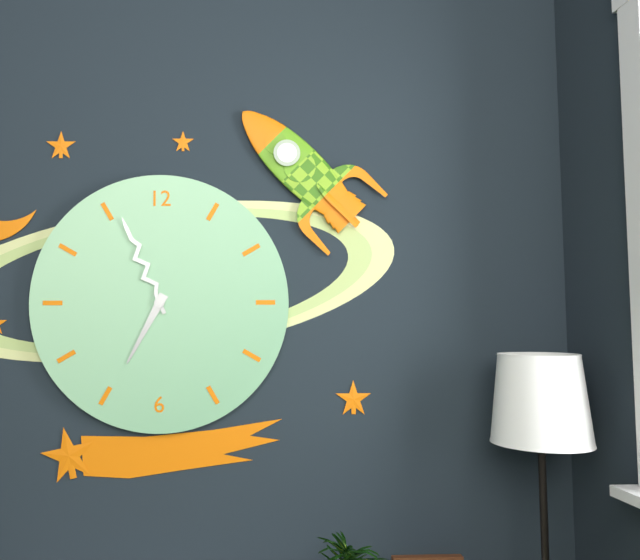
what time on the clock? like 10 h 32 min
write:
6 h 56 min
